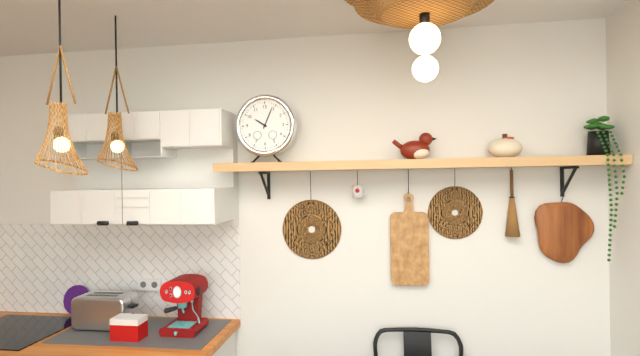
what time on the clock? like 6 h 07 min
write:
10 h 04 min
